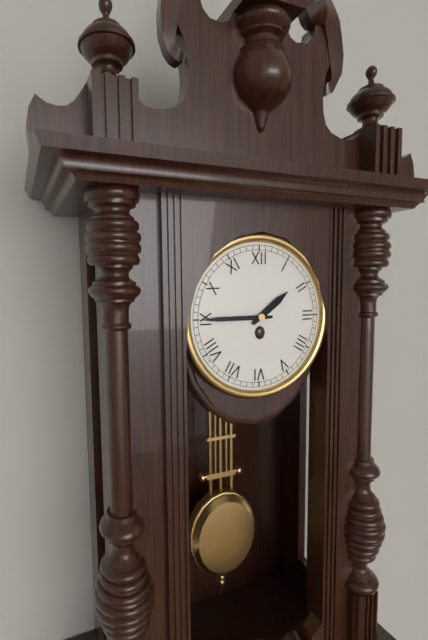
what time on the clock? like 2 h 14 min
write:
1 h 45 min
